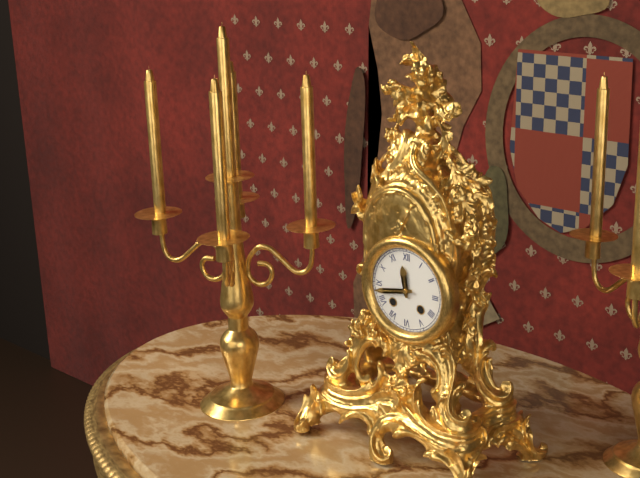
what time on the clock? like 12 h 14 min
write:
11 h 43 min
